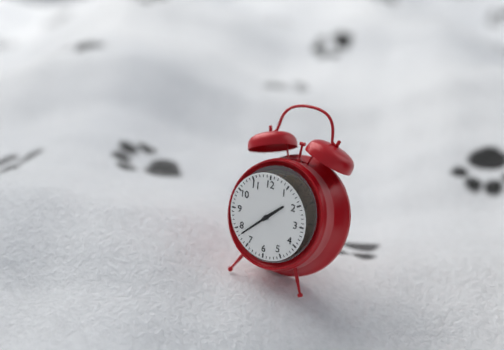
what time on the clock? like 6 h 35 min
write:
1 h 38 min
